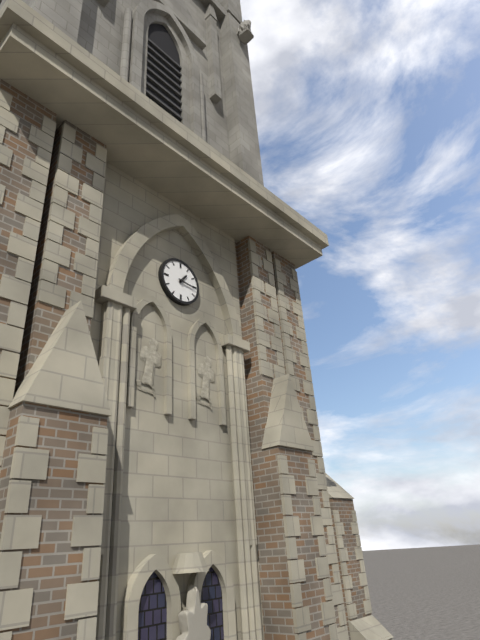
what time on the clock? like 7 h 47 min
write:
1 h 16 min
